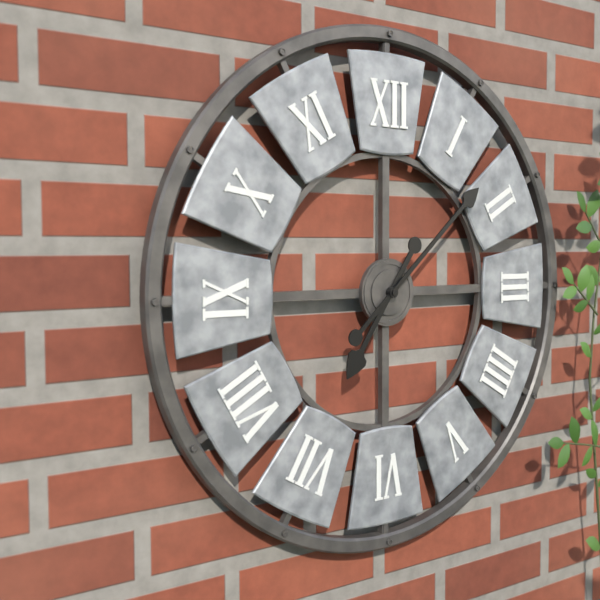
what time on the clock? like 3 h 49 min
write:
7 h 08 min
